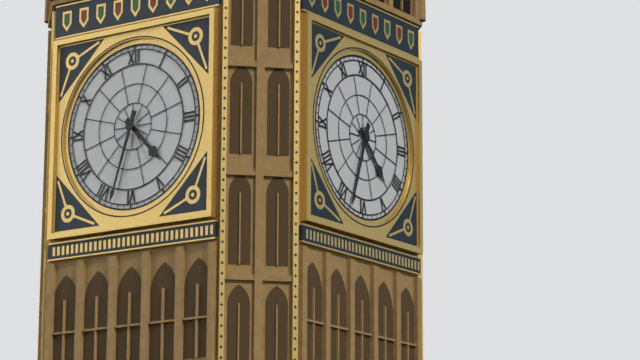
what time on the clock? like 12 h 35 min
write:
4 h 33 min
